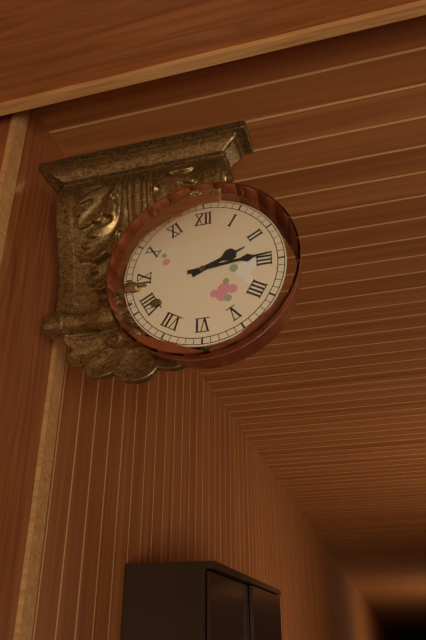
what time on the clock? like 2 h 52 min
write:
2 h 14 min
